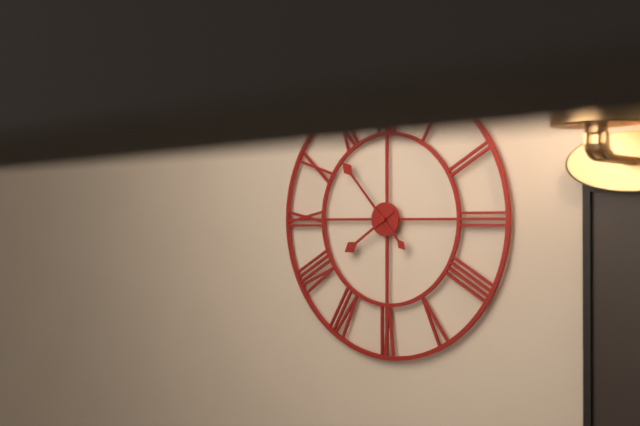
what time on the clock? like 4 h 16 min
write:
7 h 53 min
